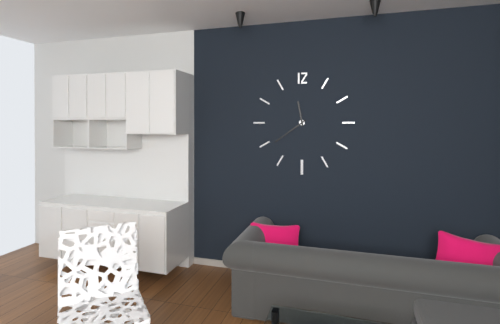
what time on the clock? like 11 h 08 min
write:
11 h 39 min
